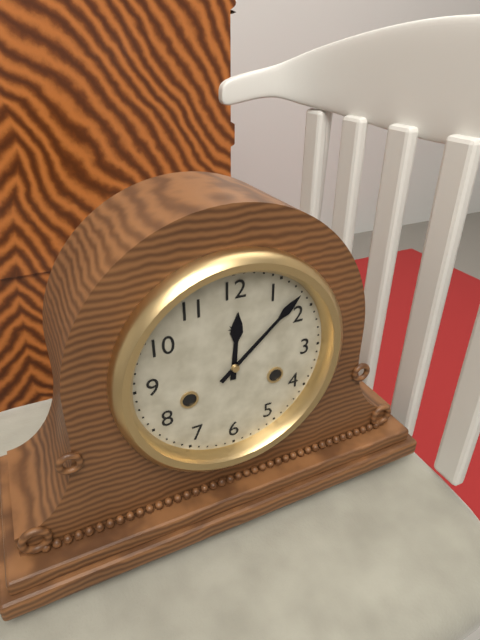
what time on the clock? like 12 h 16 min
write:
12 h 08 min
